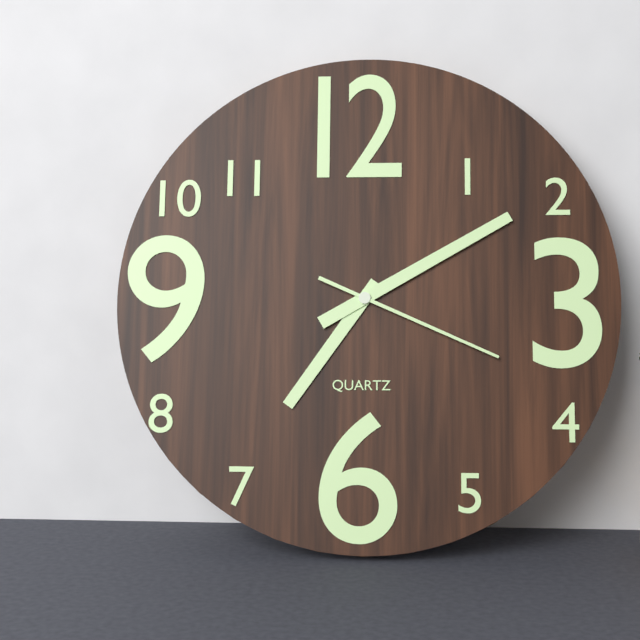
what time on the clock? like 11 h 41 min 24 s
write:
7 h 10 min 19 s
